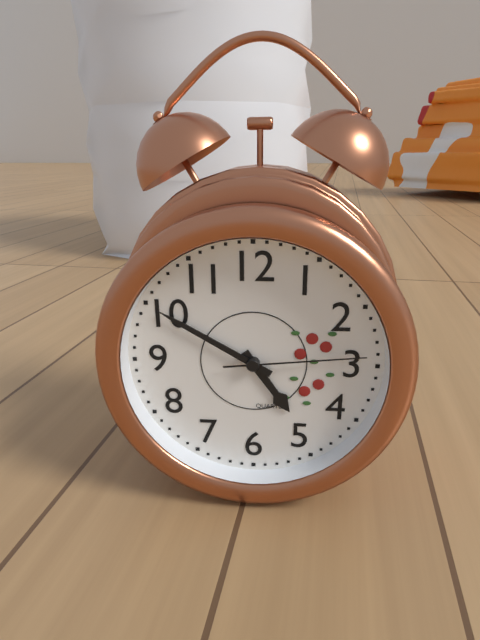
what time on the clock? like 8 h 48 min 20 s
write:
4 h 50 min 14 s
